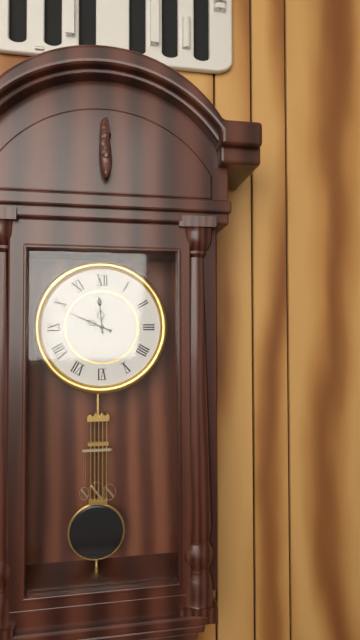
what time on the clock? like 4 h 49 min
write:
11 h 49 min
